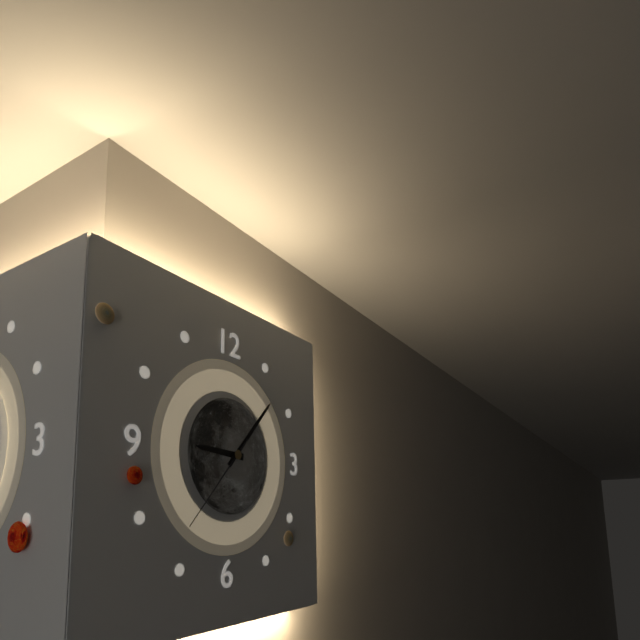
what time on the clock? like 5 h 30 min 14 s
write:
9 h 07 min 37 s
